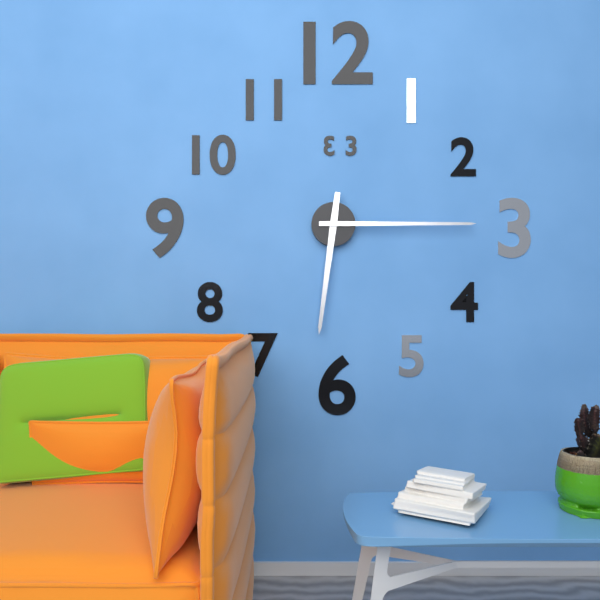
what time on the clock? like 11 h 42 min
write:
6 h 15 min
